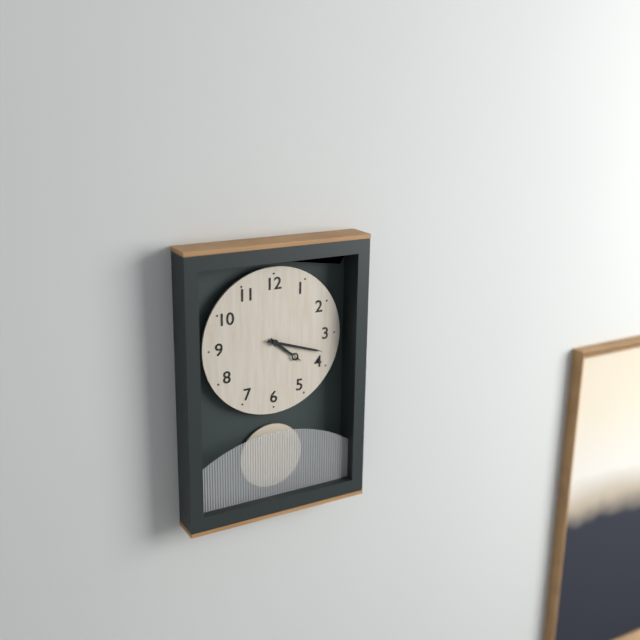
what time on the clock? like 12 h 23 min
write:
4 h 18 min
